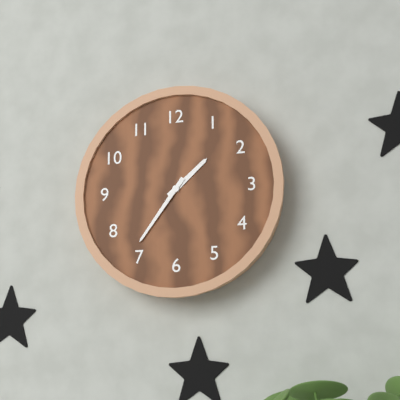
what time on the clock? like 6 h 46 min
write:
1 h 36 min
